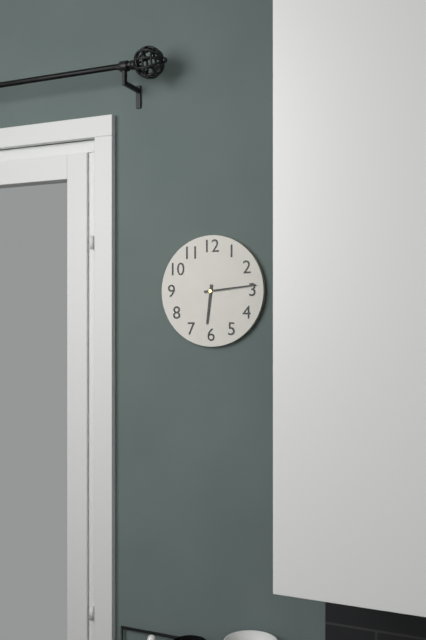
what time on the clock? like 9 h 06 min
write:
6 h 14 min
